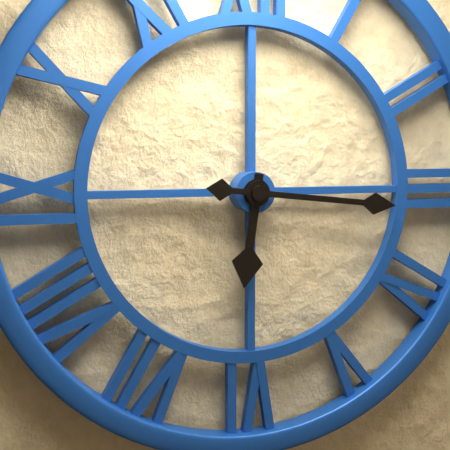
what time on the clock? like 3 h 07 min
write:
6 h 16 min
